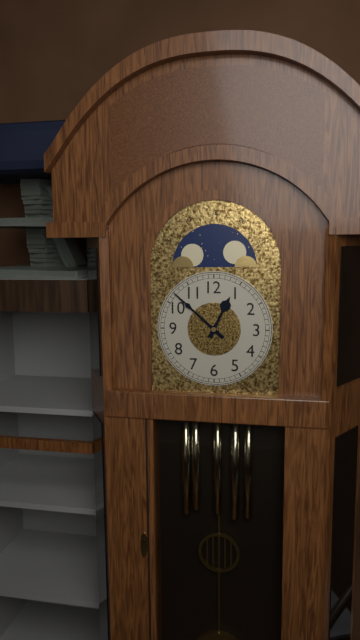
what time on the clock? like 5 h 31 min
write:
12 h 52 min
